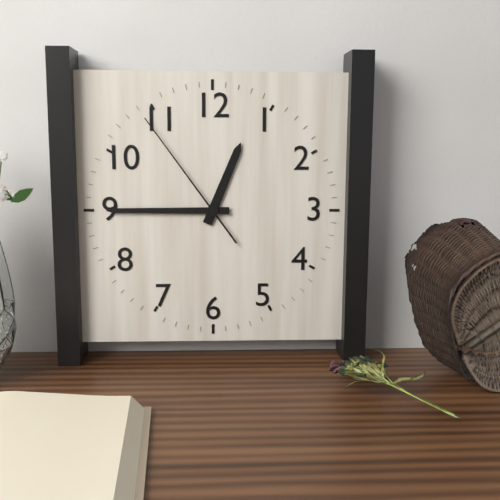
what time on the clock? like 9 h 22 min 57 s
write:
12 h 45 min 54 s
